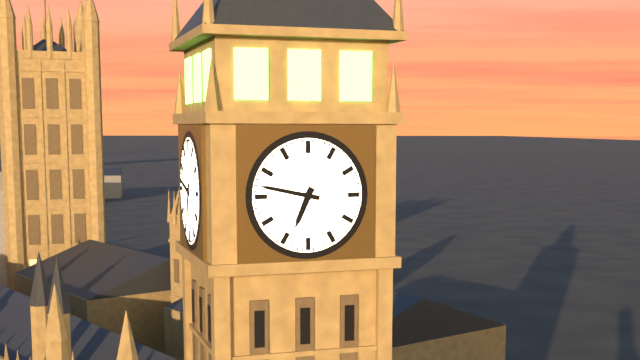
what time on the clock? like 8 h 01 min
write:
6 h 47 min
